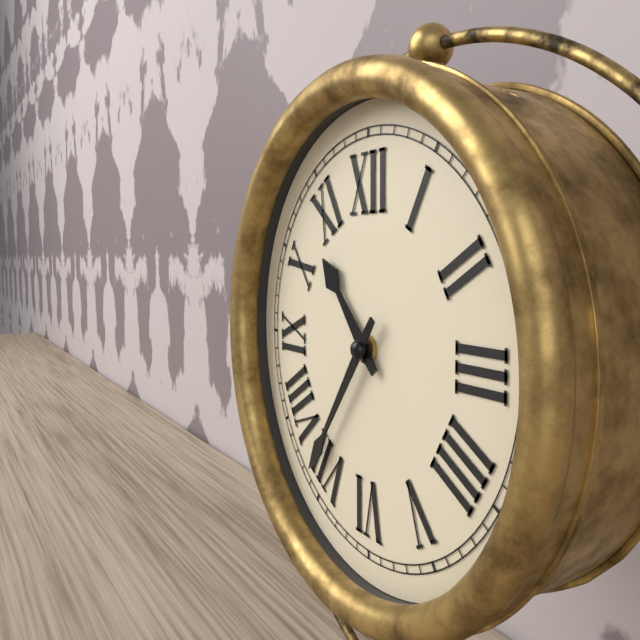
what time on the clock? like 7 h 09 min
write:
10 h 36 min
